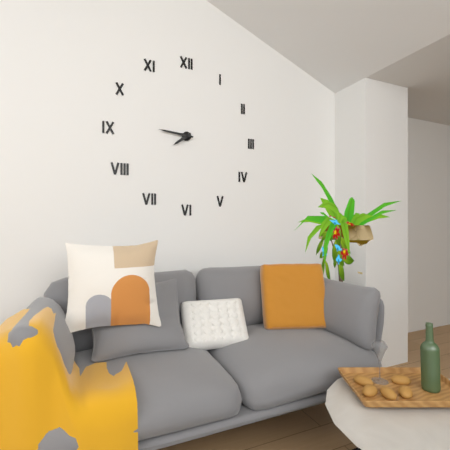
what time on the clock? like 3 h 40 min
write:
7 h 46 min
